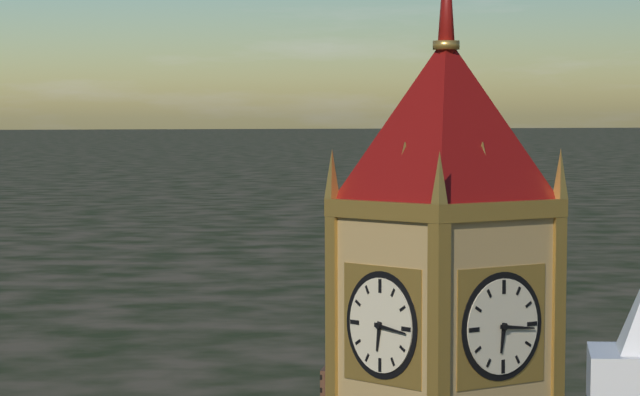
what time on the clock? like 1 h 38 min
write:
6 h 16 min
